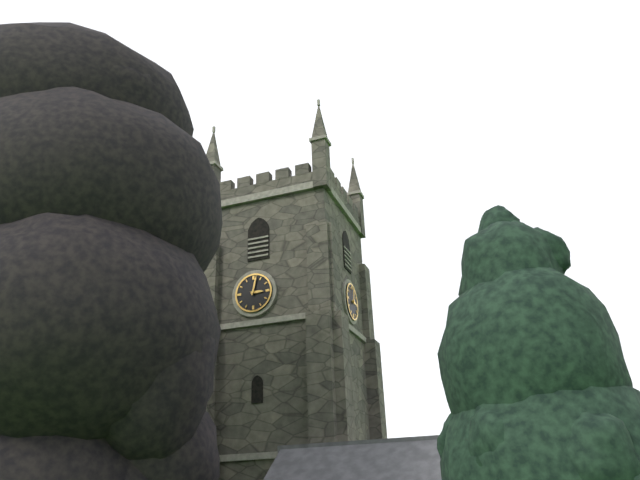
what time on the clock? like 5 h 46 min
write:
3 h 02 min
